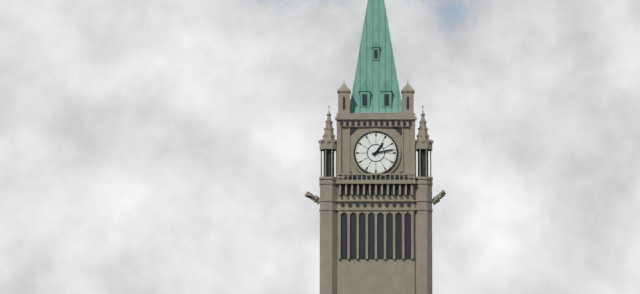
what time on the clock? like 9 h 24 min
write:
1 h 13 min
